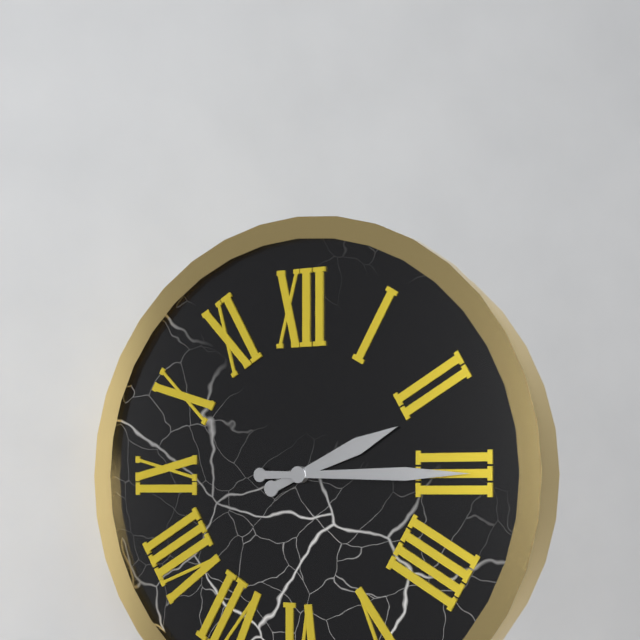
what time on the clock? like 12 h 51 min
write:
2 h 15 min
